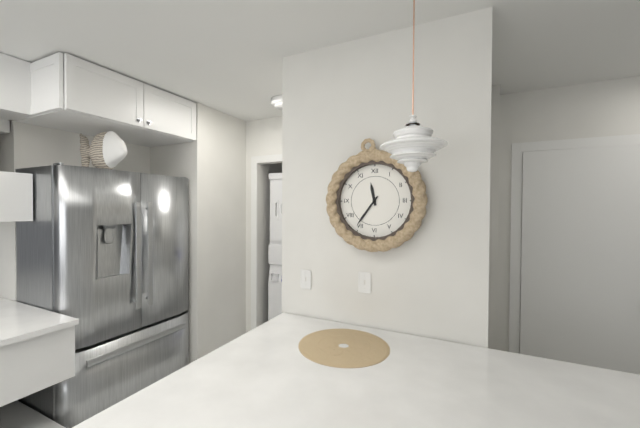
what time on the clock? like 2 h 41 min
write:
11 h 36 min
